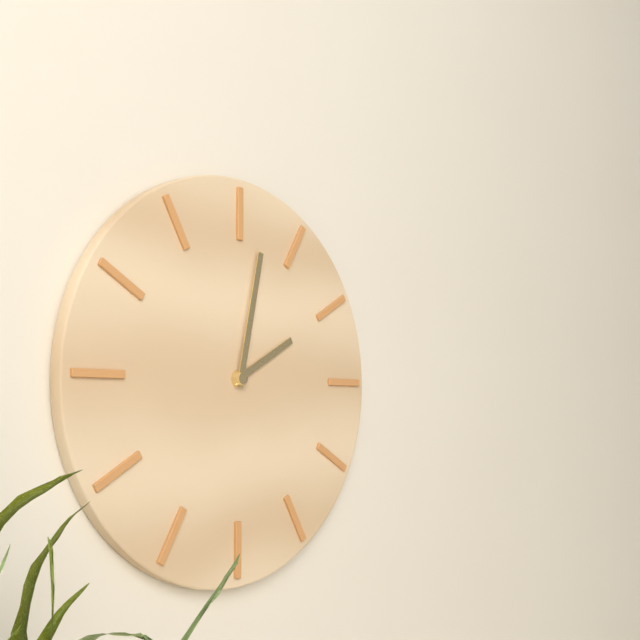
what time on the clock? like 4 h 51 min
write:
2 h 02 min
